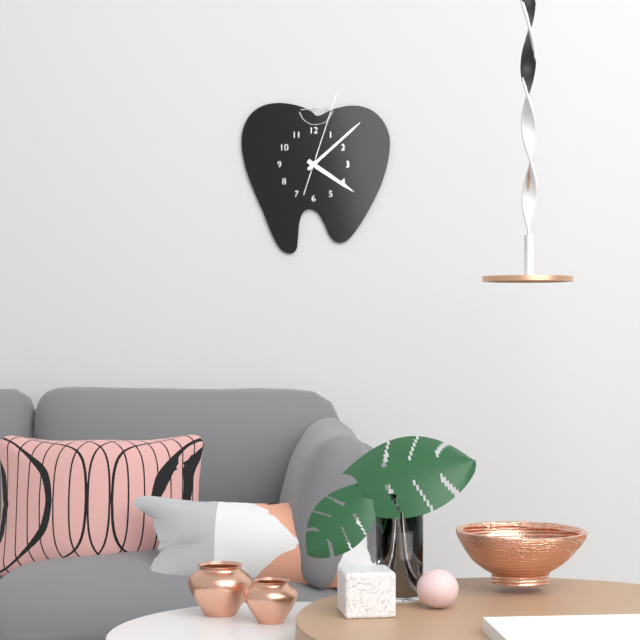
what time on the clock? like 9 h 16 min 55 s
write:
4 h 08 min 03 s
